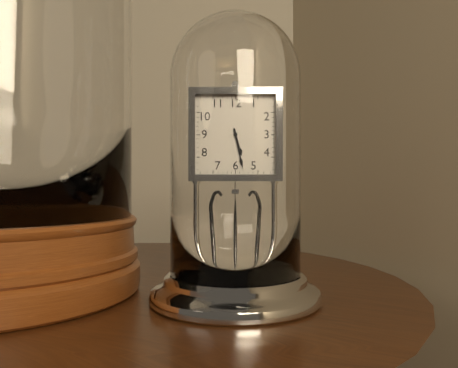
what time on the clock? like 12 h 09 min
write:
5 h 28 min
